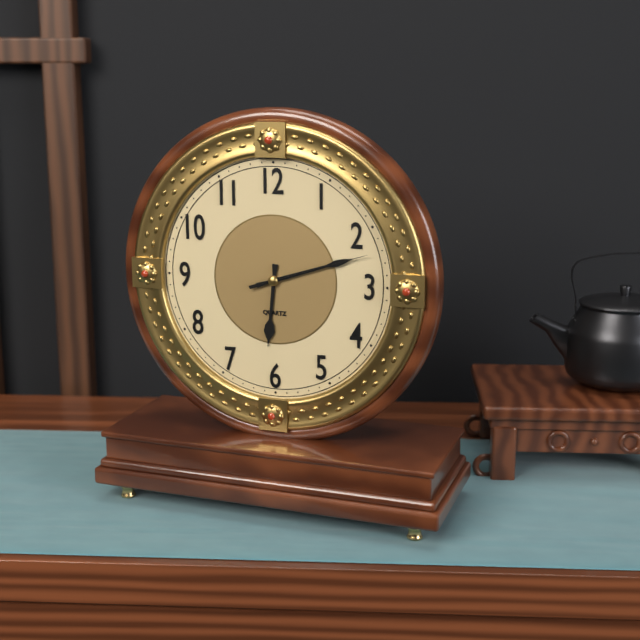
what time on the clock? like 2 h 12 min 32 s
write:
6 h 12 min 12 s
